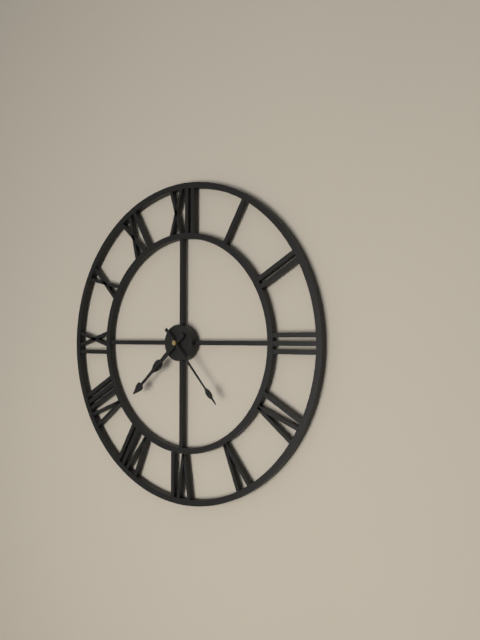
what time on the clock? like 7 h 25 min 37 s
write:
7 h 38 min 23 s
